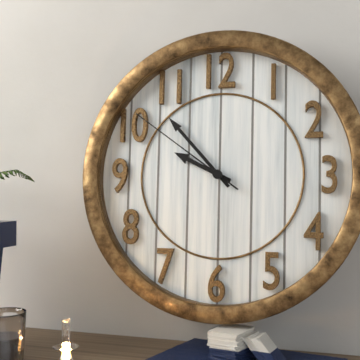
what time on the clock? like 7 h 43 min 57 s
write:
9 h 53 min 51 s
